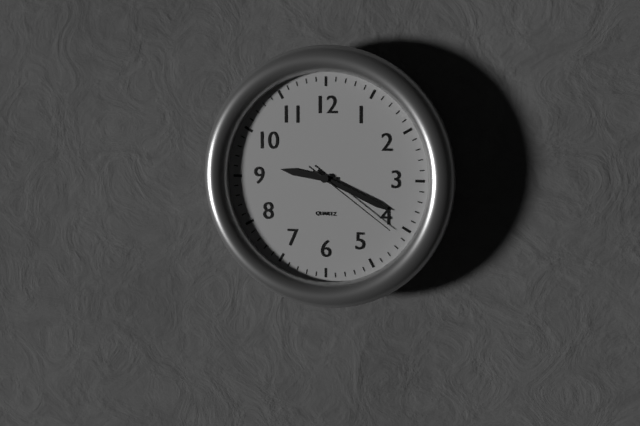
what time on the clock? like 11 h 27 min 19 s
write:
9 h 19 min 21 s
